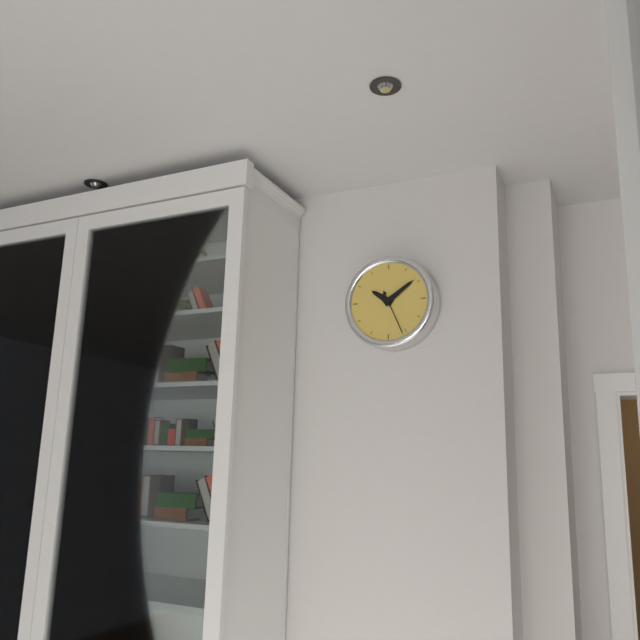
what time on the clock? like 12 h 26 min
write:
10 h 09 min
